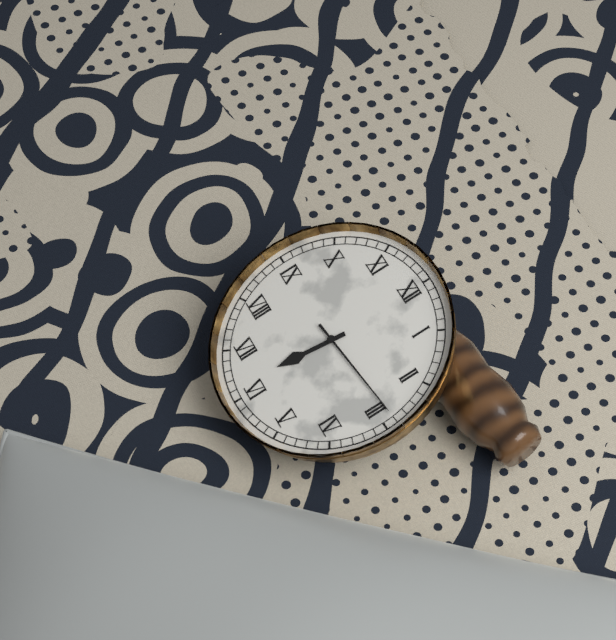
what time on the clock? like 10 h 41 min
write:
6 h 14 min
